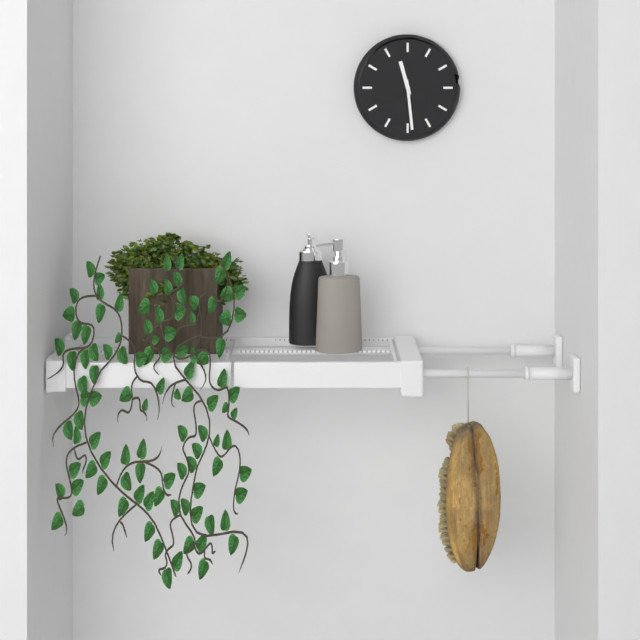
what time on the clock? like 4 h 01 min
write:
11 h 29 min
